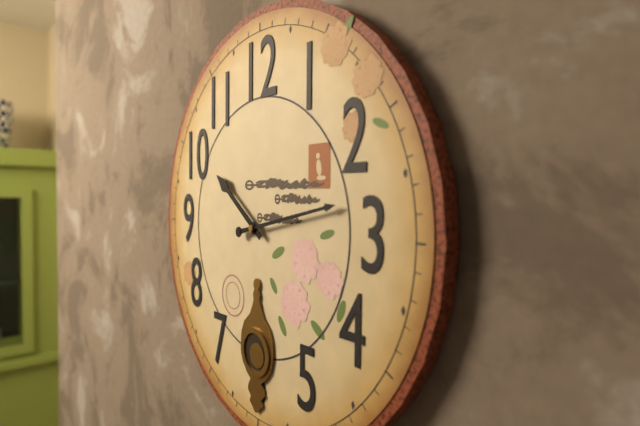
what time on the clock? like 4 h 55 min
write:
10 h 13 min
